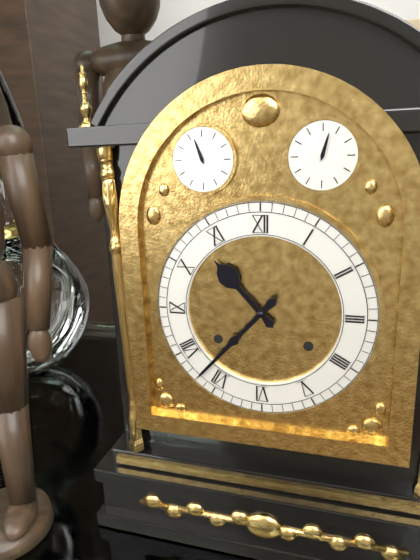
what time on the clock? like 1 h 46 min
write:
10 h 37 min
